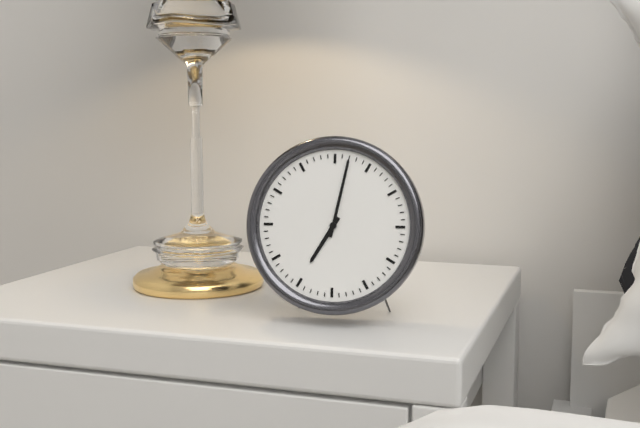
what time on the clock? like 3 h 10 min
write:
7 h 02 min
